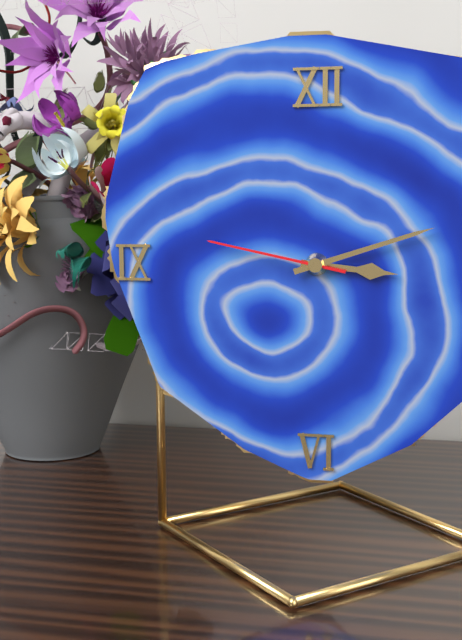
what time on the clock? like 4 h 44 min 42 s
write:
3 h 12 min 47 s
